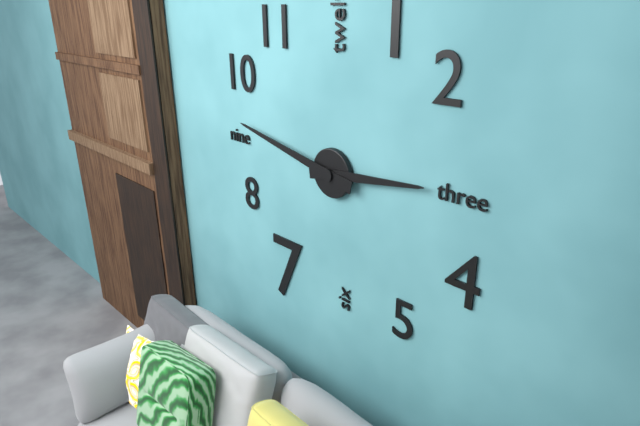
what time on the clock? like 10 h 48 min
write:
2 h 47 min
